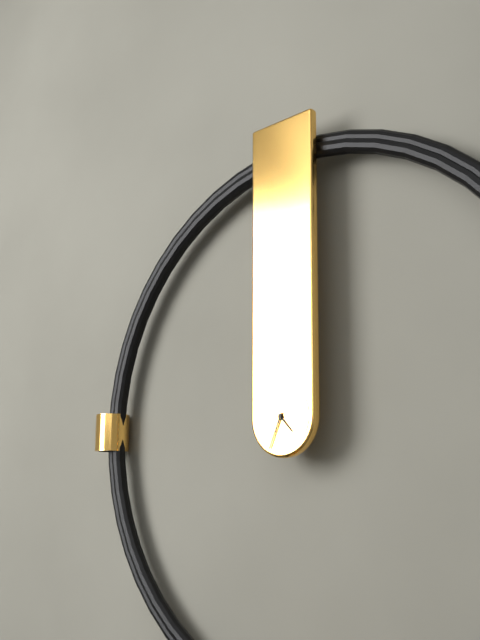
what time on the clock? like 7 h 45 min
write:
4 h 34 min
